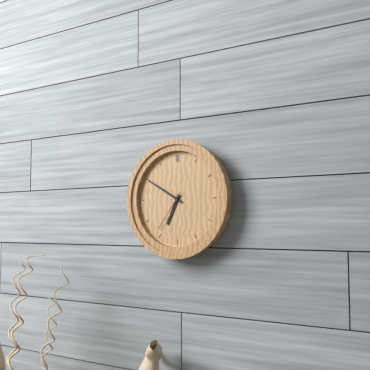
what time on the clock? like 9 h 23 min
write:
6 h 50 min
